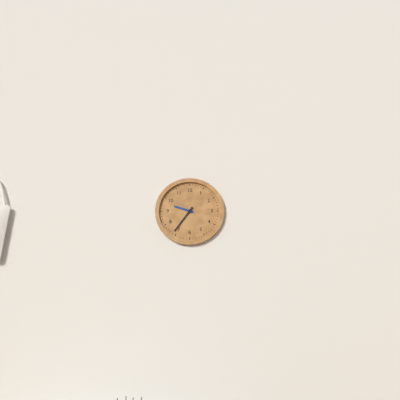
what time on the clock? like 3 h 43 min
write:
9 h 36 min
